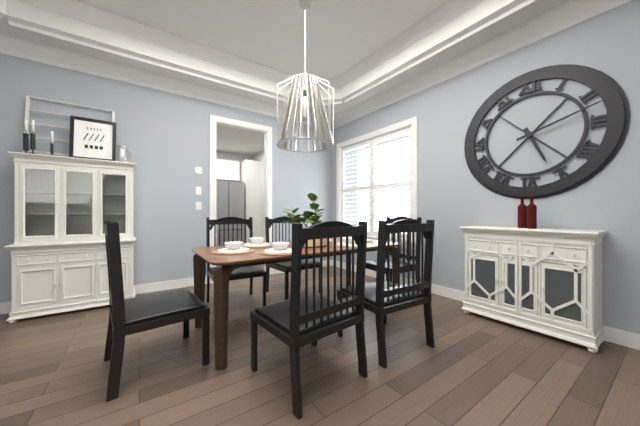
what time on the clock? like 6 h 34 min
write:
5 h 12 min
